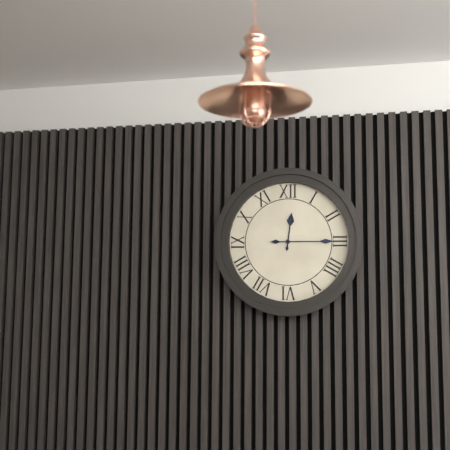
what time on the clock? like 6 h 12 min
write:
12 h 15 min
